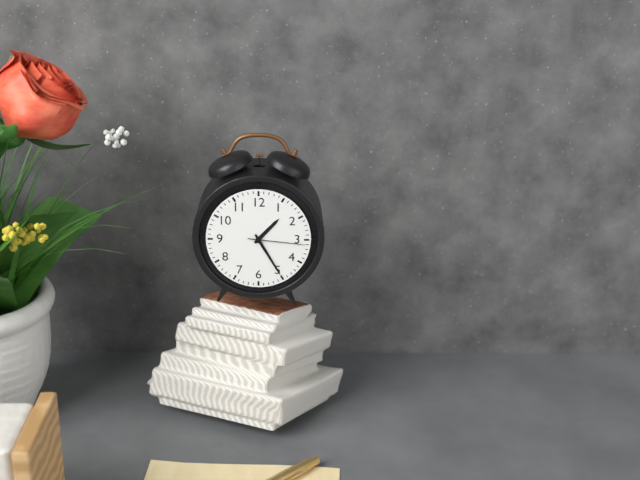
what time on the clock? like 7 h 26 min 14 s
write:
1 h 25 min 16 s
